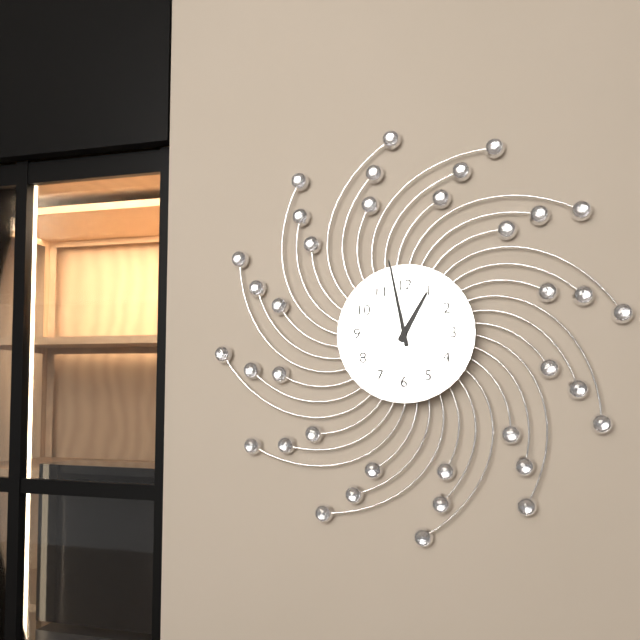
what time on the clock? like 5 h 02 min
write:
12 h 58 min
